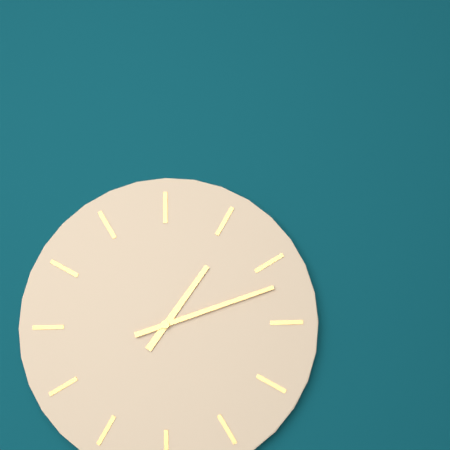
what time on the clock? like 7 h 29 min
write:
1 h 12 min
